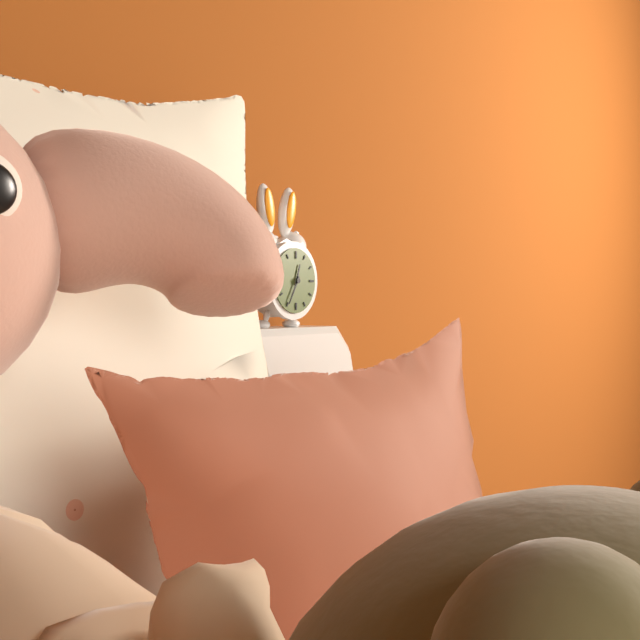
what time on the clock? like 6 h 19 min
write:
12 h 35 min
